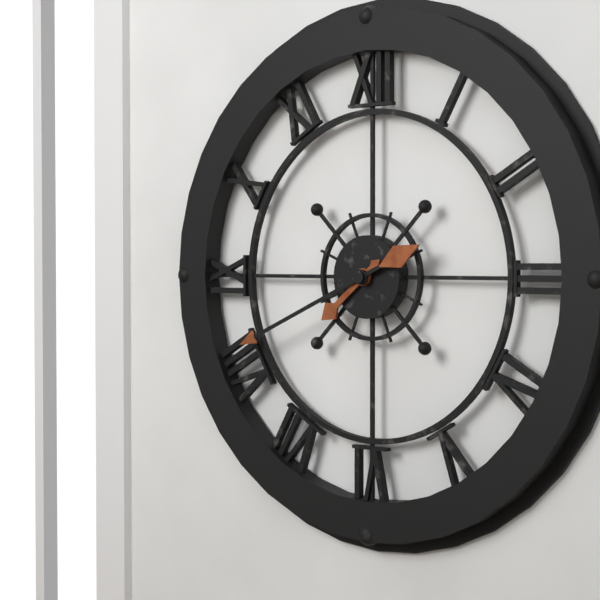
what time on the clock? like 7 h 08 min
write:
7 h 41 min
